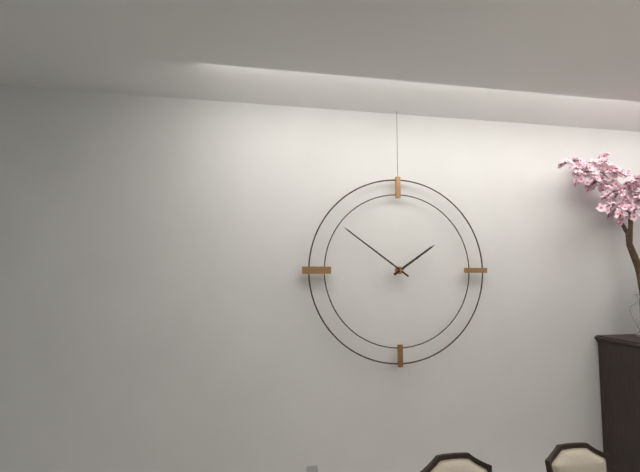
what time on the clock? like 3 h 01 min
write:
1 h 51 min
